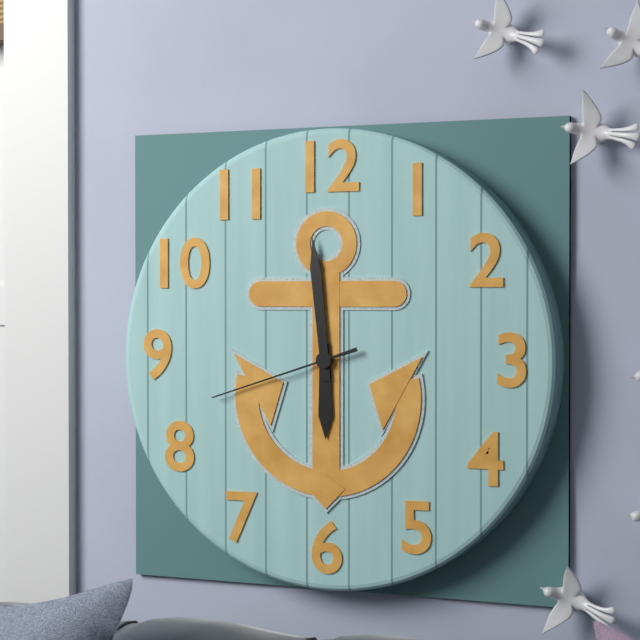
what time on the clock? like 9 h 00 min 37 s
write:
5 h 59 min 42 s
